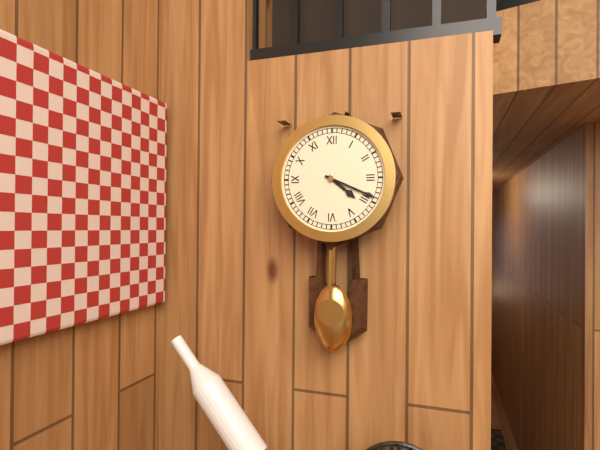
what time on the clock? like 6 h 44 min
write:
4 h 19 min
